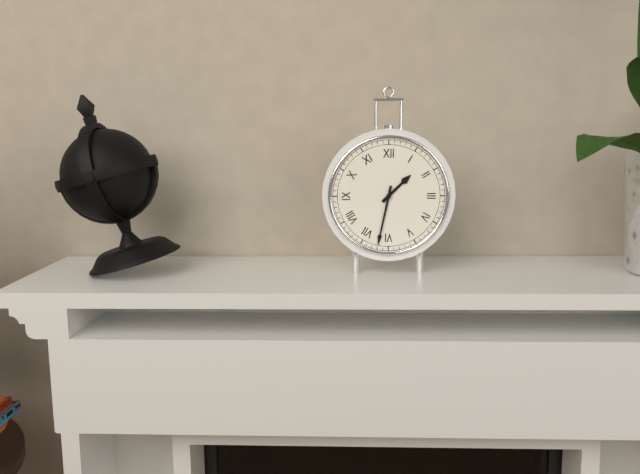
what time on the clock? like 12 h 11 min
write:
1 h 32 min
